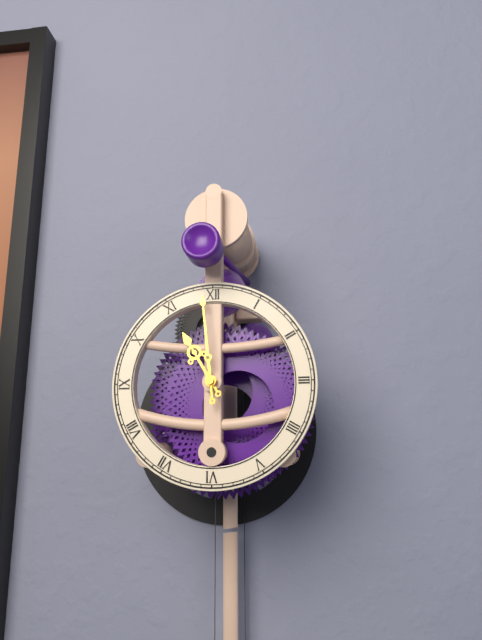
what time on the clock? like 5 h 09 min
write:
10 h 59 min
